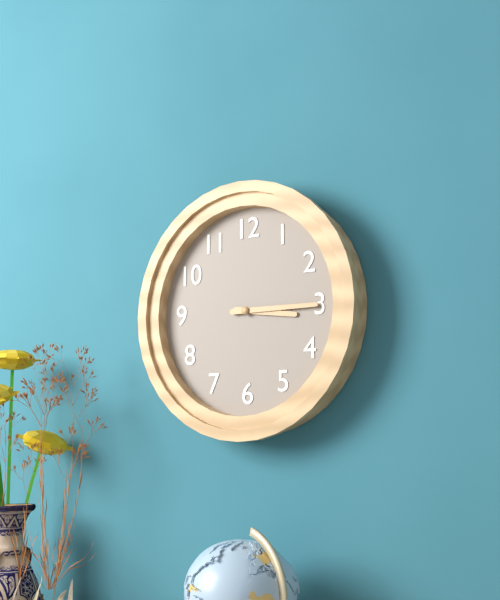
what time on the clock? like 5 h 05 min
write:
3 h 15 min
